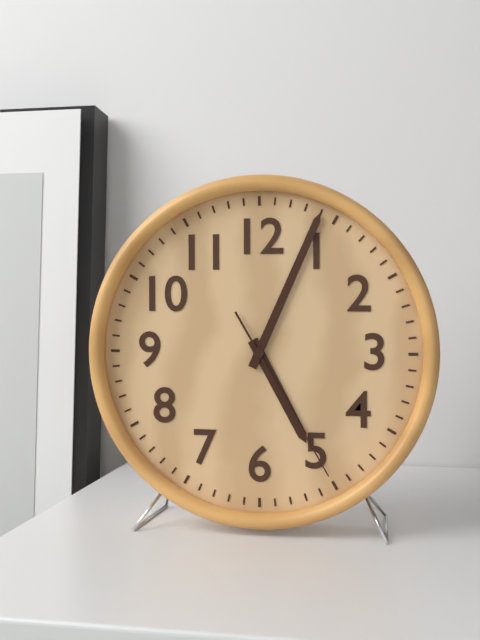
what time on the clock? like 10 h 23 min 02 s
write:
5 h 04 min 25 s
